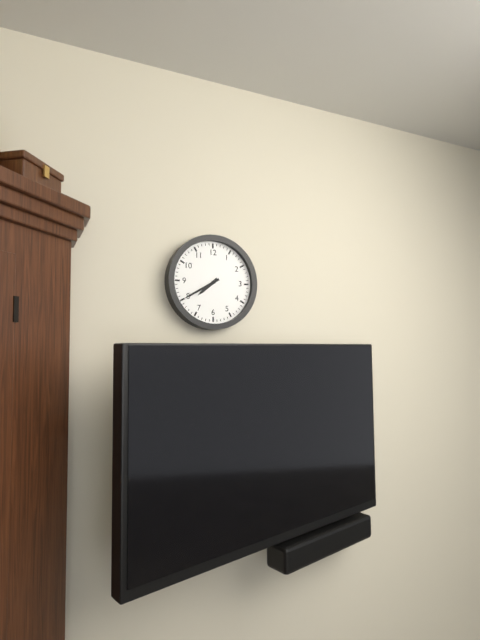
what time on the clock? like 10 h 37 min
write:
7 h 40 min
